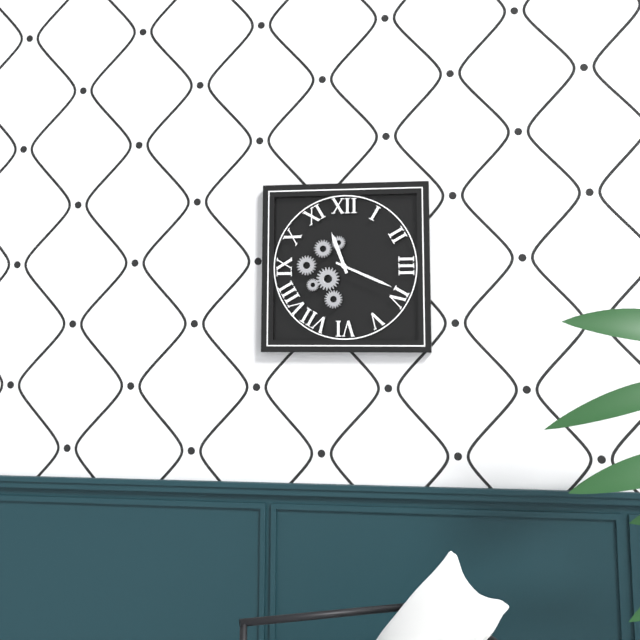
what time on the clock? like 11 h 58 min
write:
11 h 19 min
